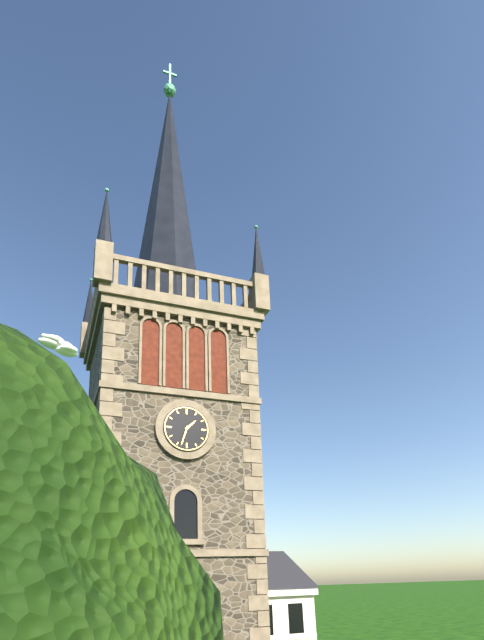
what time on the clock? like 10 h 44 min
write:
1 h 33 min
